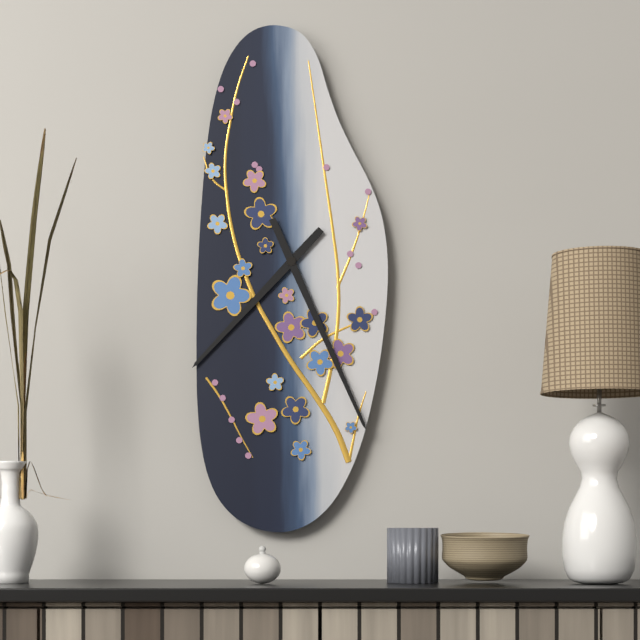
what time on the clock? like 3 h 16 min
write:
7 h 26 min
